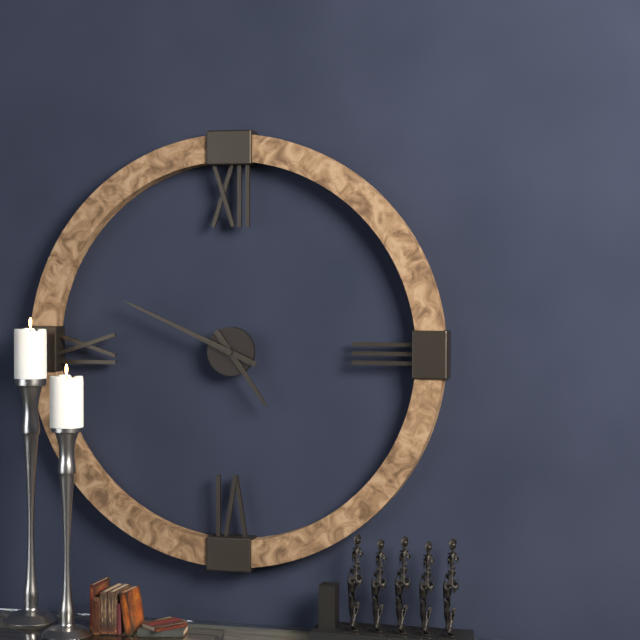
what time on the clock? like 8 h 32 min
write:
4 h 49 min
